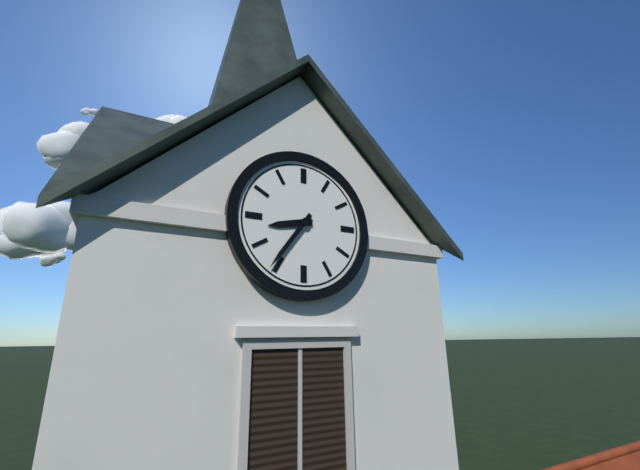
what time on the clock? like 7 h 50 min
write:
8 h 36 min
